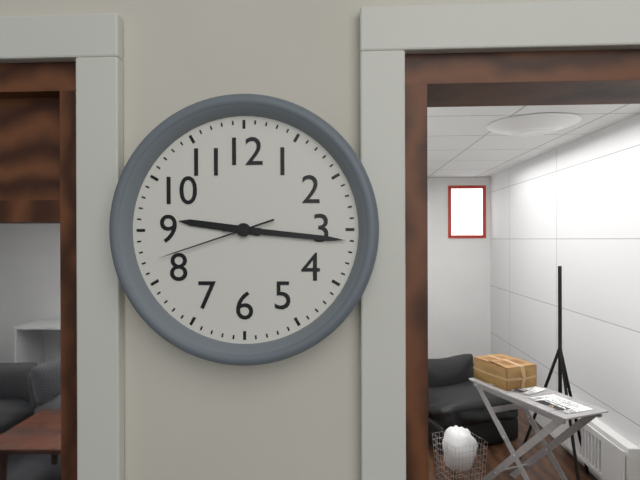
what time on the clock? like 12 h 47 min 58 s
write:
9 h 16 min 42 s
